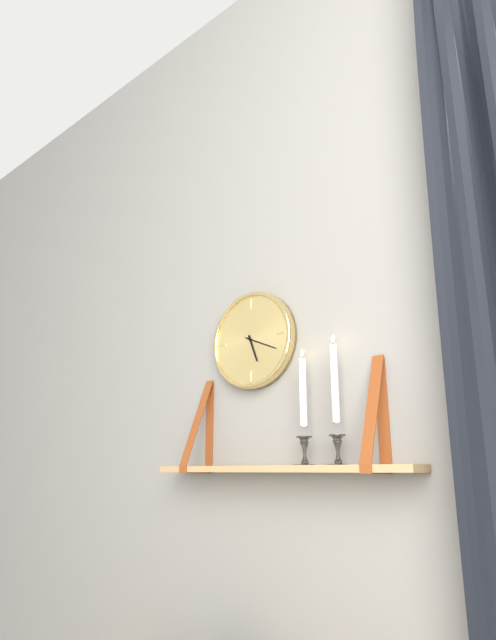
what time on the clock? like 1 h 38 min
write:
5 h 19 min
